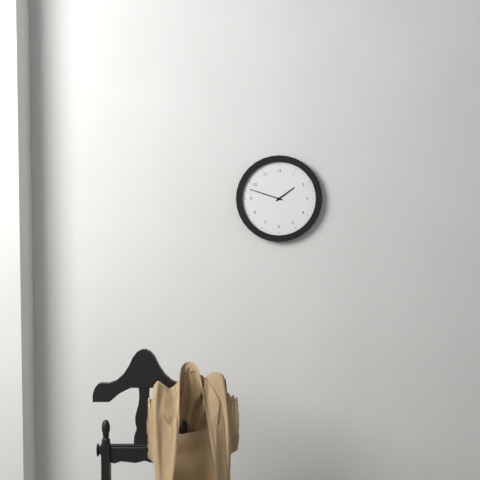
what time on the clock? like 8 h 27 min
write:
1 h 48 min
